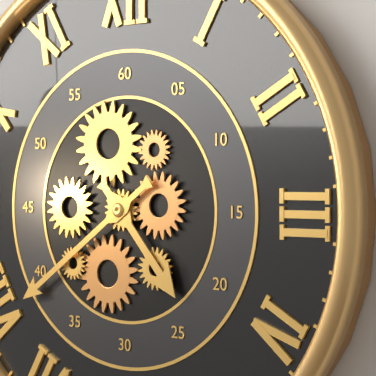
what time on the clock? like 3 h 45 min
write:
4 h 39 min
